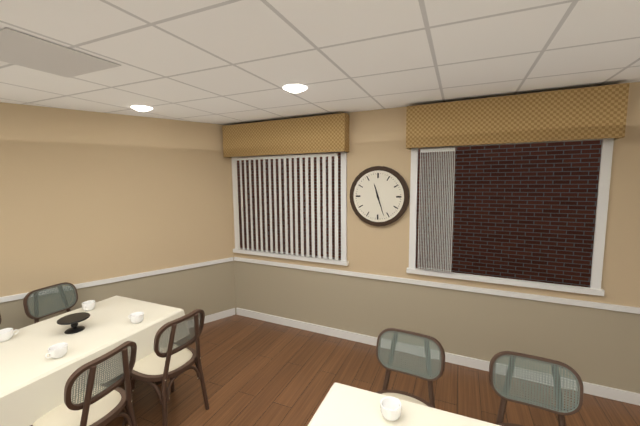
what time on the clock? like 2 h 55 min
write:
11 h 27 min
